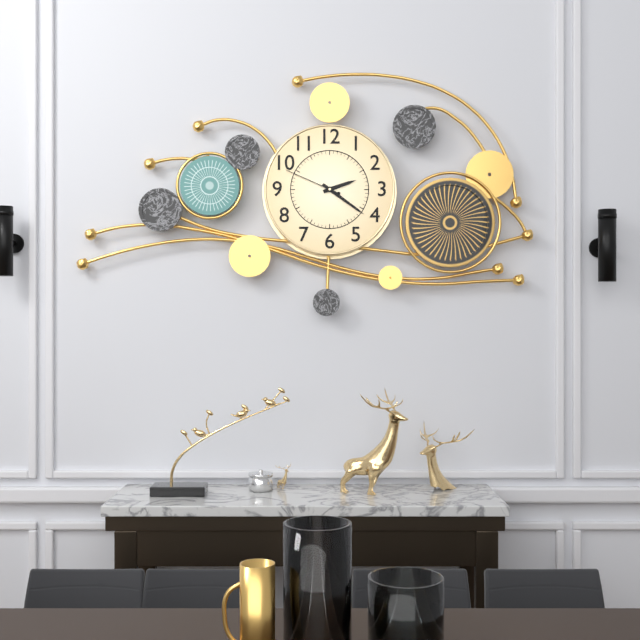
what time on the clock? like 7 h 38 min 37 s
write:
2 h 21 min 49 s
